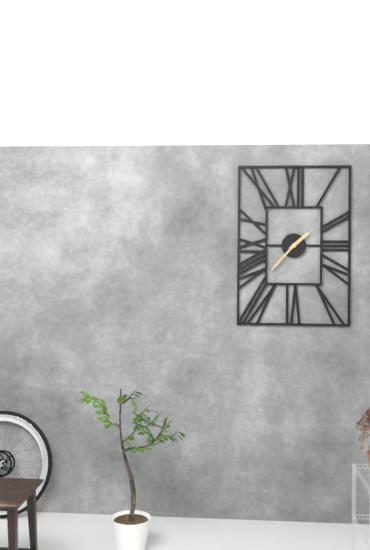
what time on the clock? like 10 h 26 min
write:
1 h 37 min
